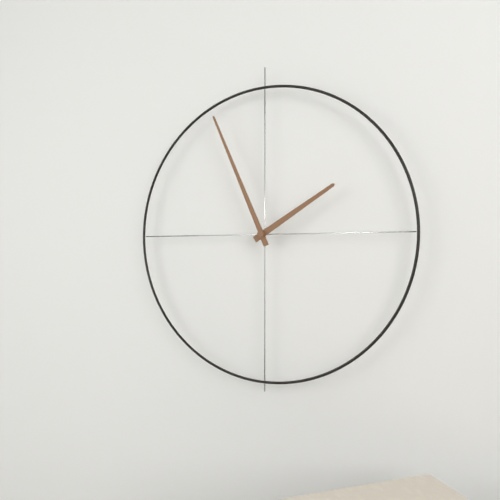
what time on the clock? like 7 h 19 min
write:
1 h 56 min
